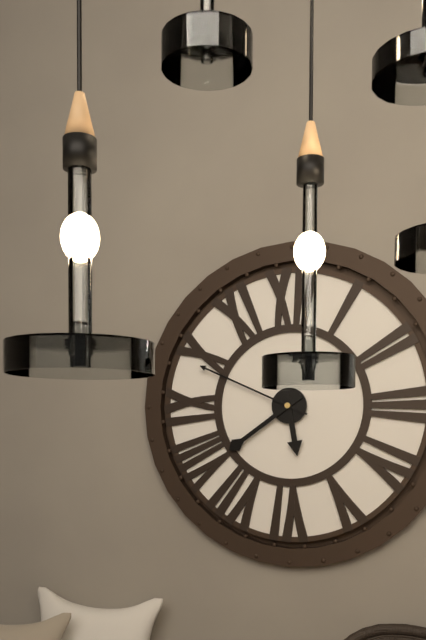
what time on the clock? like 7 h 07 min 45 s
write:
5 h 39 min 49 s
